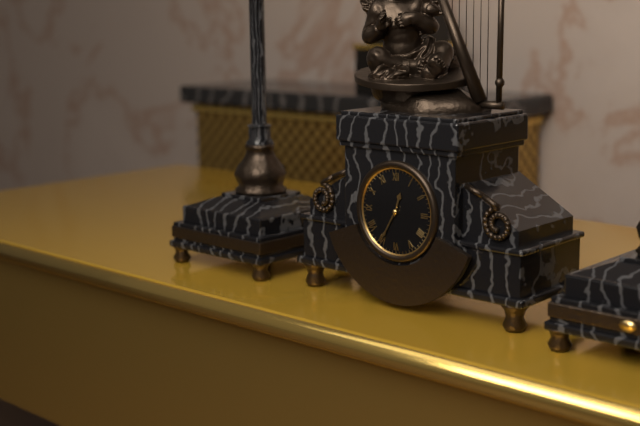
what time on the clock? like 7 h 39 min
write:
12 h 35 min
